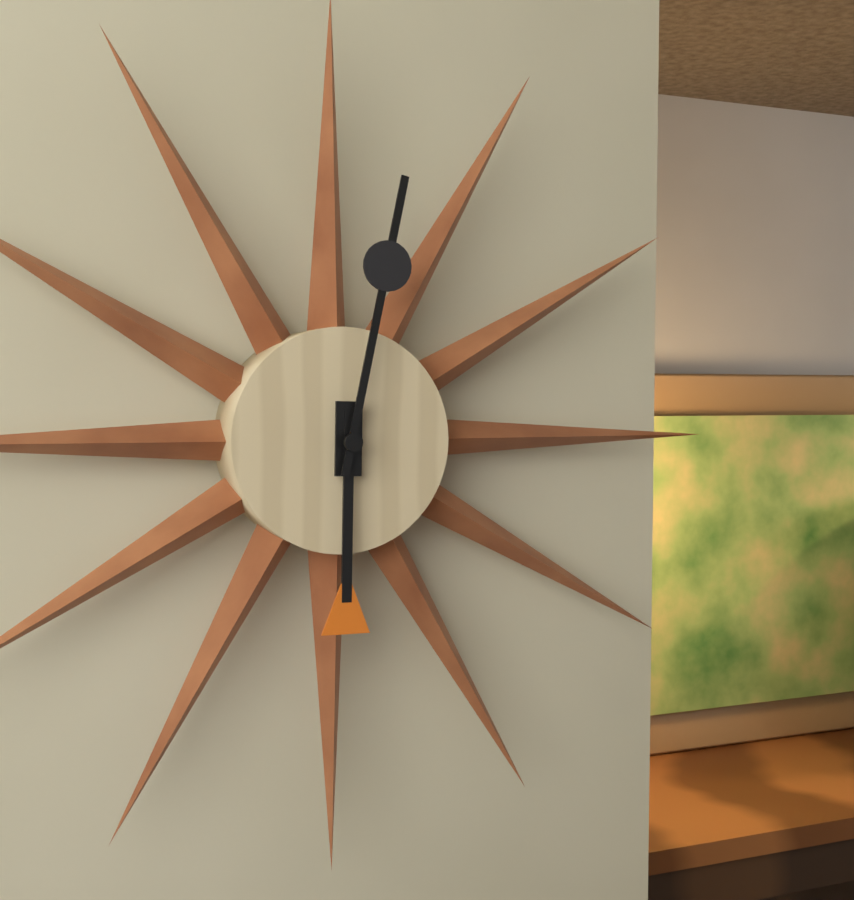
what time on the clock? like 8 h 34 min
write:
6 h 02 min
